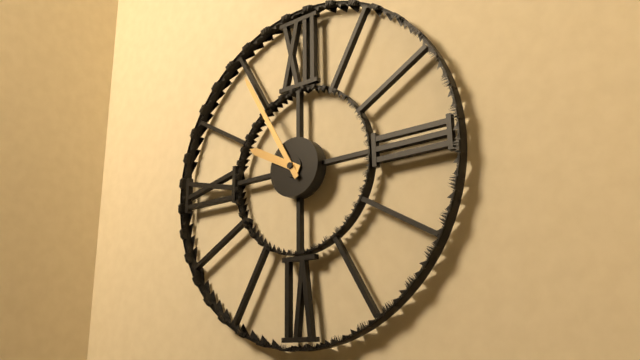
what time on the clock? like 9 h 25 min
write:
9 h 55 min
